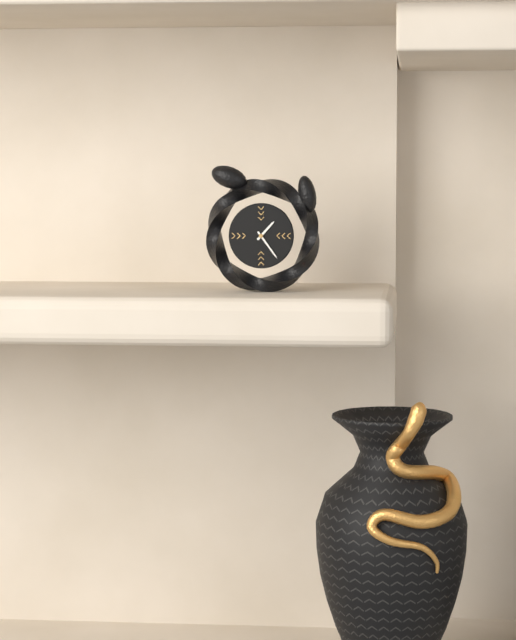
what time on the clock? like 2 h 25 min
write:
1 h 24 min
